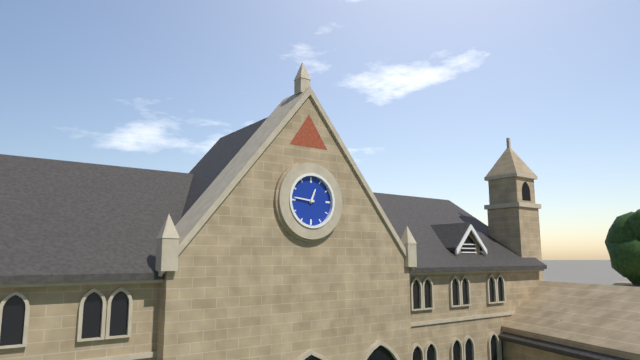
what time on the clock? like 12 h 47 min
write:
12 h 46 min
